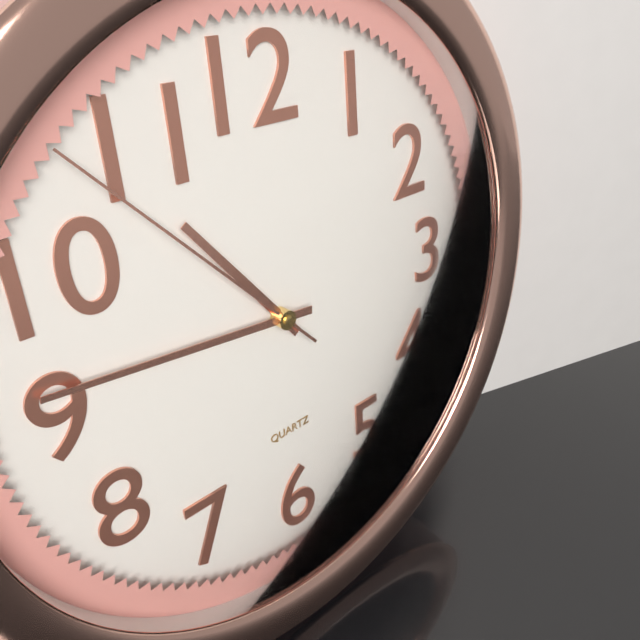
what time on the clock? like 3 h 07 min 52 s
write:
10 h 46 min 53 s
